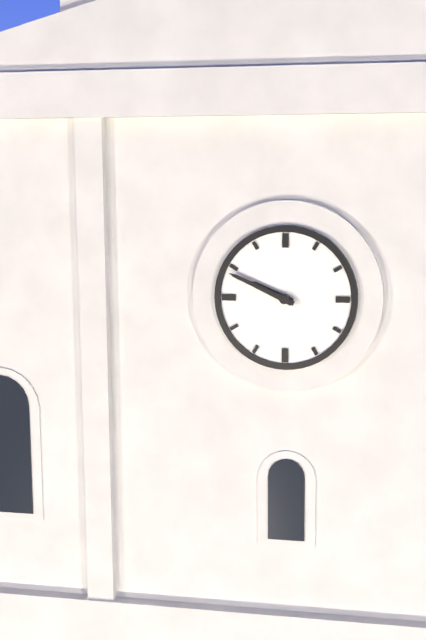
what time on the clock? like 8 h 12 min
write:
9 h 49 min
